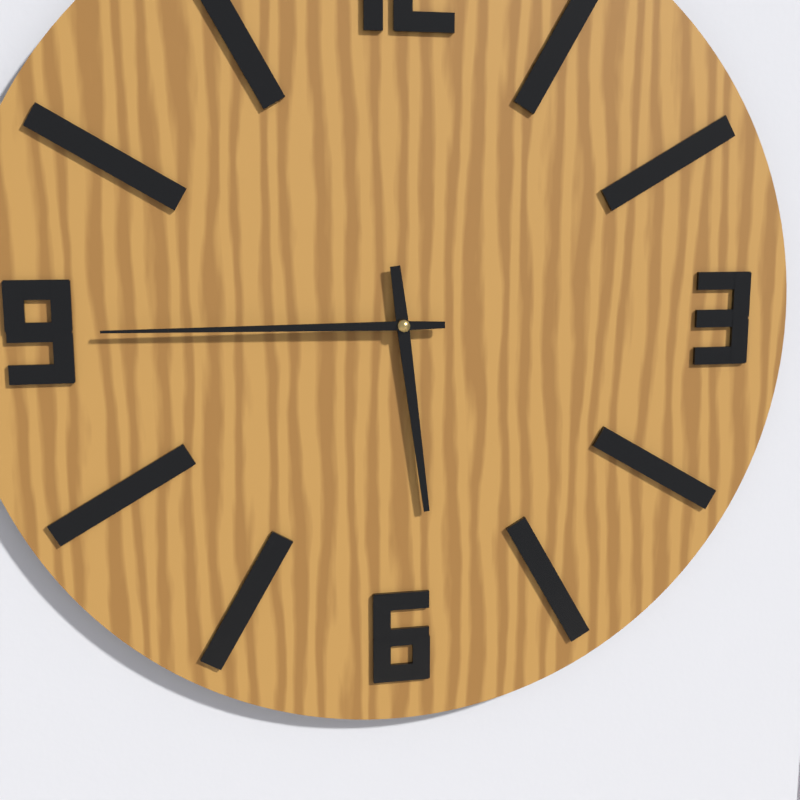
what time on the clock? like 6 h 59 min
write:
5 h 45 min
